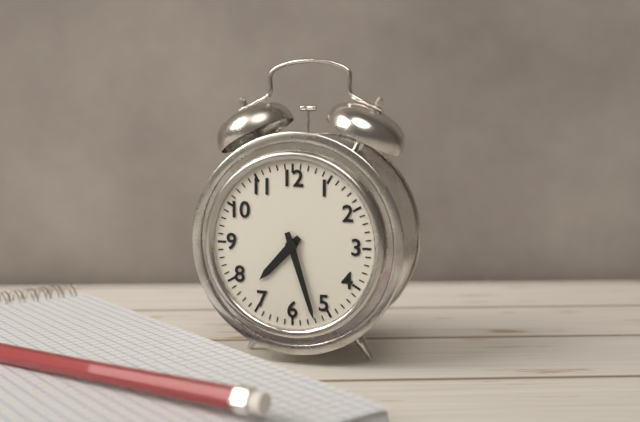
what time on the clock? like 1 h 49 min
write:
7 h 27 min
